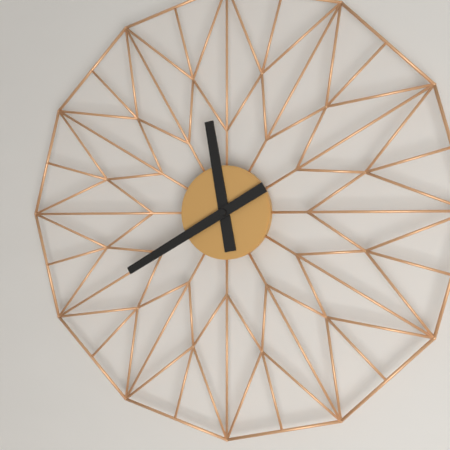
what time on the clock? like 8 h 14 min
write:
11 h 40 min
